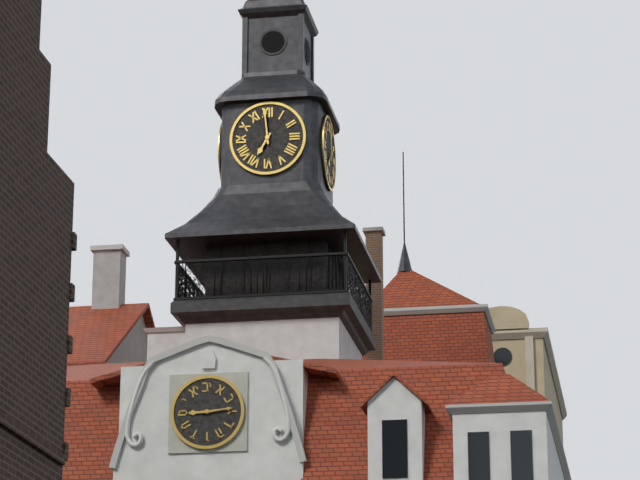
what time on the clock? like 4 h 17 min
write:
6 h 59 min
